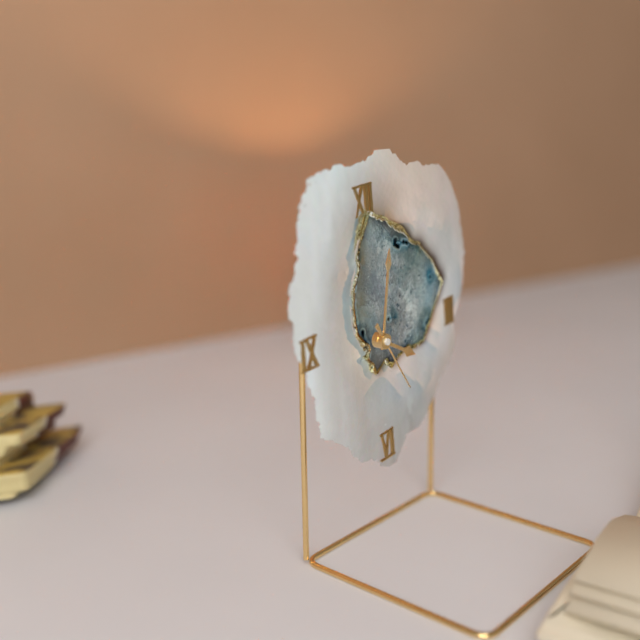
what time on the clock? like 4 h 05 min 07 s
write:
4 h 02 min 25 s
